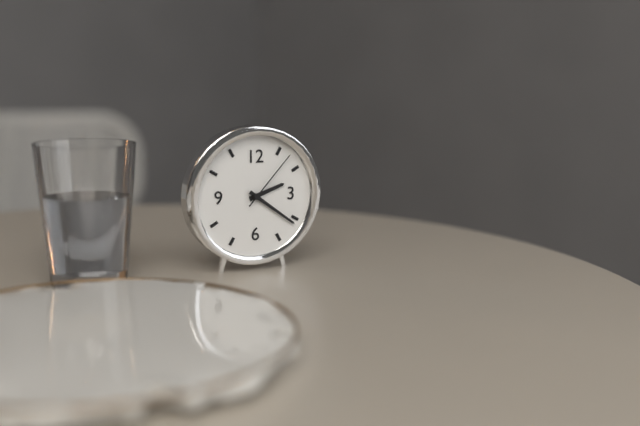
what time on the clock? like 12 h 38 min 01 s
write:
2 h 21 min 07 s
